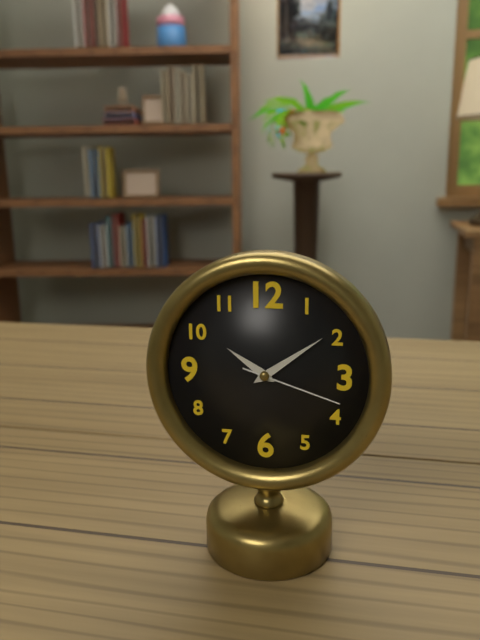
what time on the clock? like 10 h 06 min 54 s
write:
10 h 09 min 18 s
